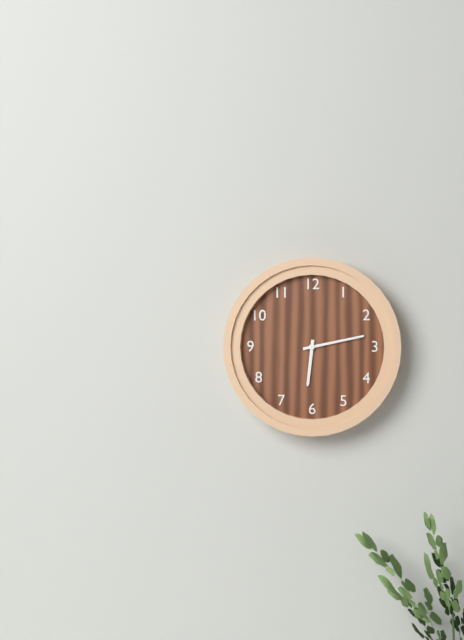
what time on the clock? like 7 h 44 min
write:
6 h 13 min
